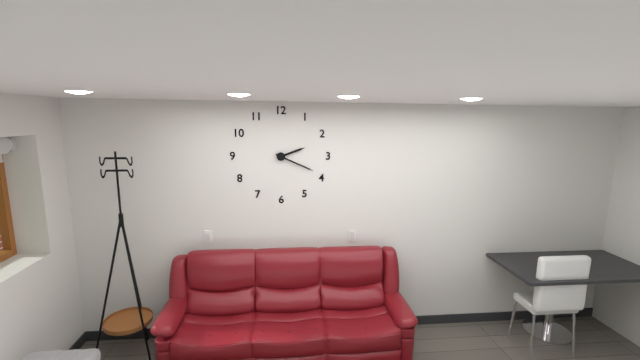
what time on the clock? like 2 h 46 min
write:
2 h 19 min
